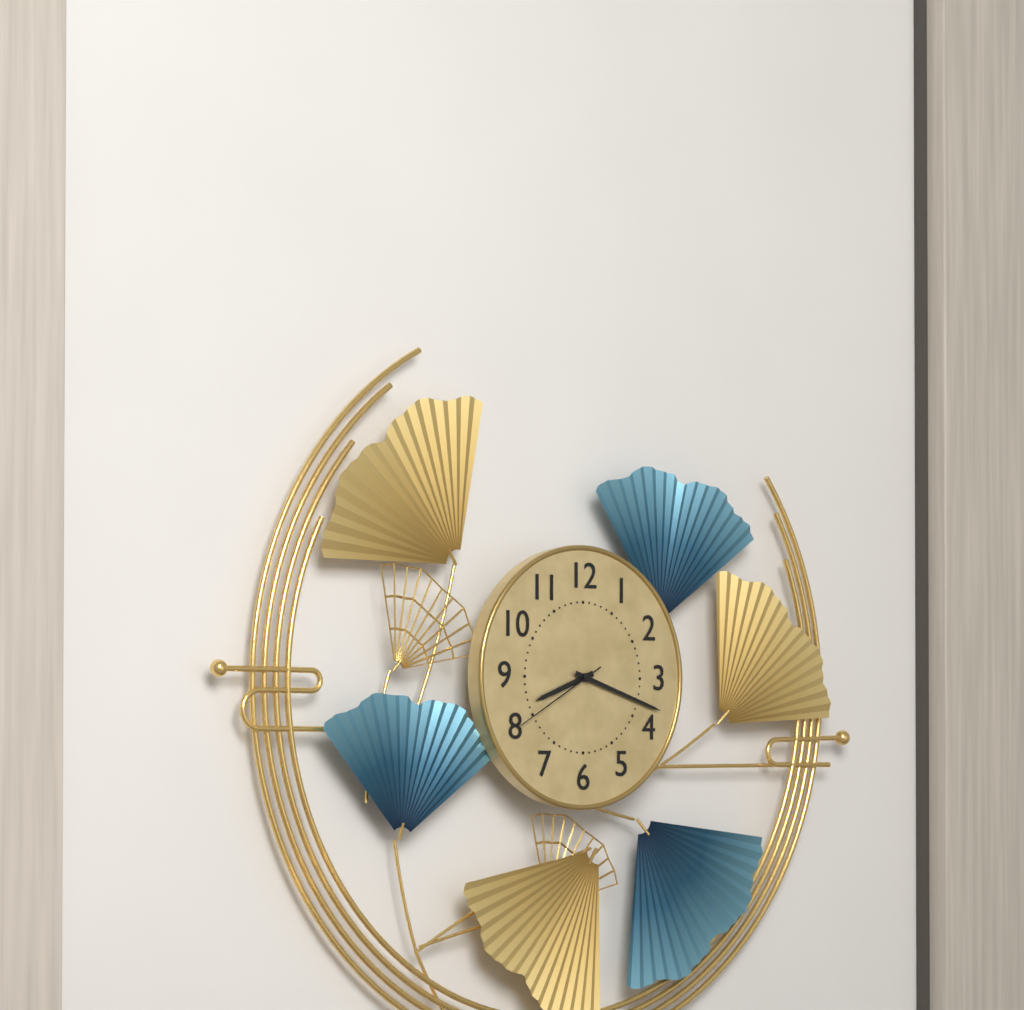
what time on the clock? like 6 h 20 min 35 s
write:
8 h 18 min 40 s
